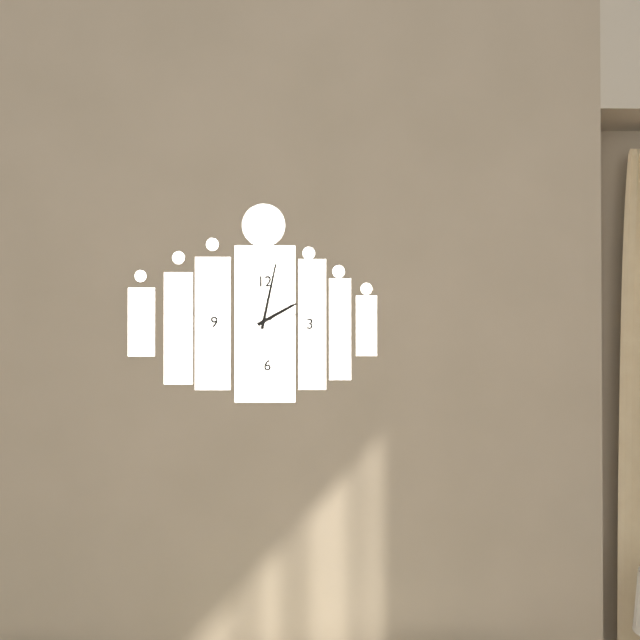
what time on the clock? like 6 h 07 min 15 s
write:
2 h 02 min 13 s
